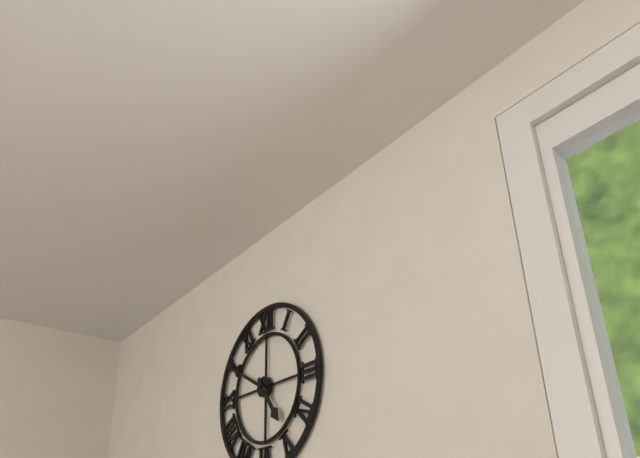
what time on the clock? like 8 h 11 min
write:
4 h 50 min
